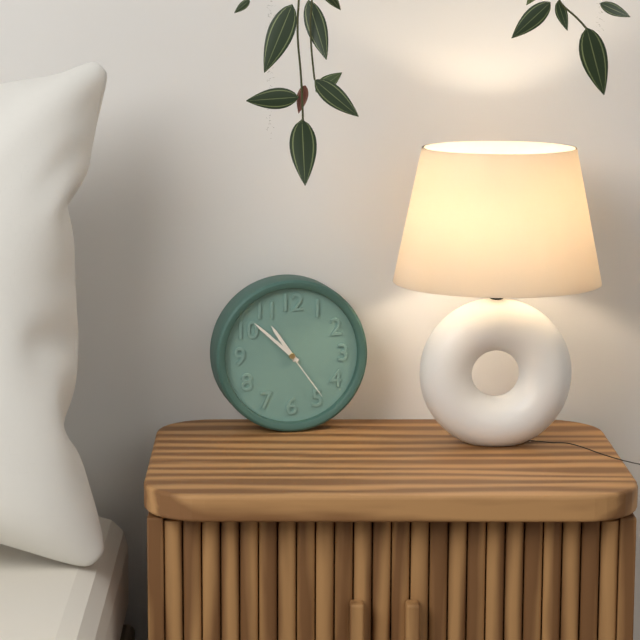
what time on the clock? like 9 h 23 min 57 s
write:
10 h 52 min 24 s
